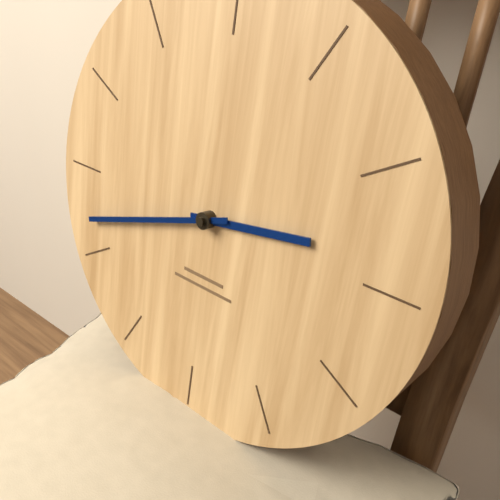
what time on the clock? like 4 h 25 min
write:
2 h 42 min
